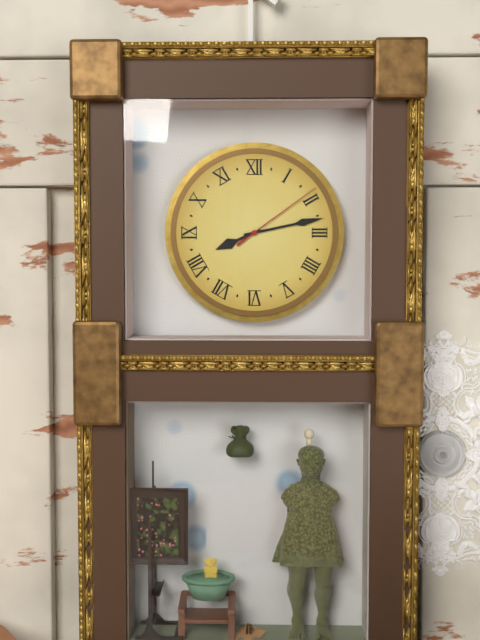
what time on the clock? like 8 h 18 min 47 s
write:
8 h 13 min 09 s
